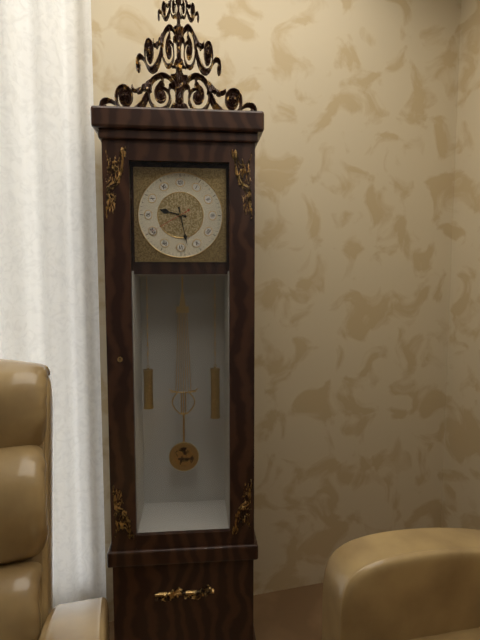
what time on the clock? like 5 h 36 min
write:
9 h 28 min
